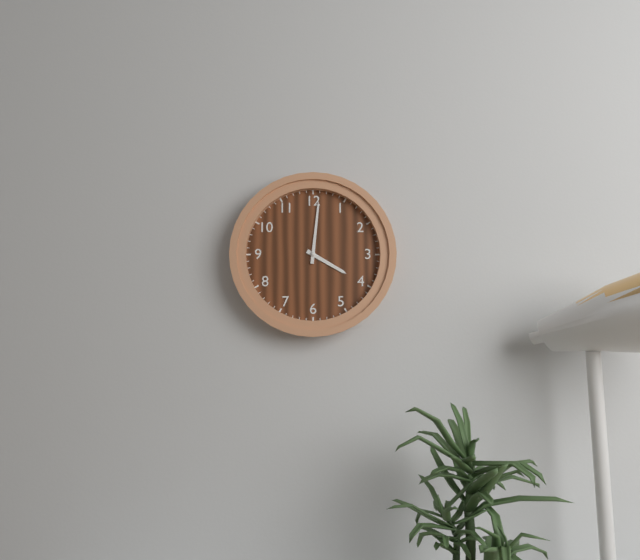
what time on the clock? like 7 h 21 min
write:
4 h 01 min
